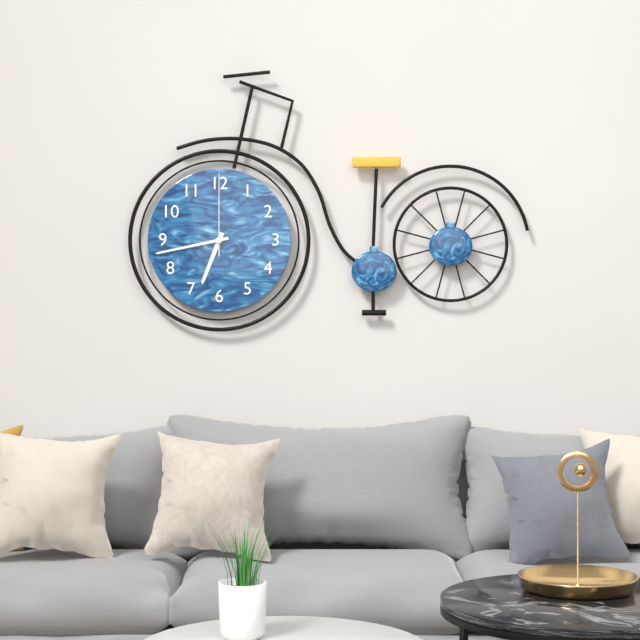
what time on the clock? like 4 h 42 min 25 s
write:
6 h 43 min 00 s
